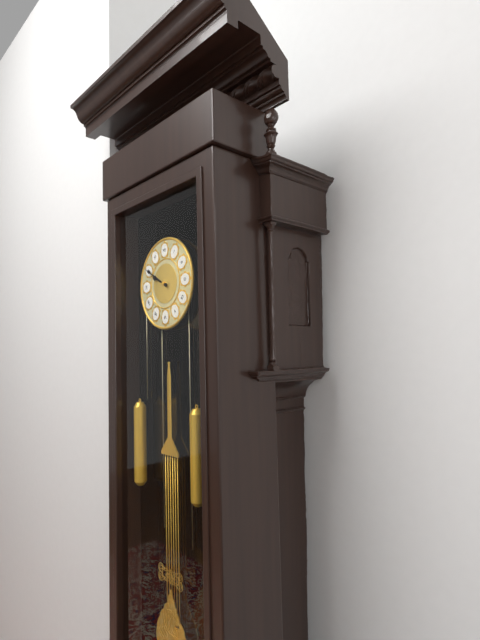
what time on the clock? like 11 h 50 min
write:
9 h 50 min
